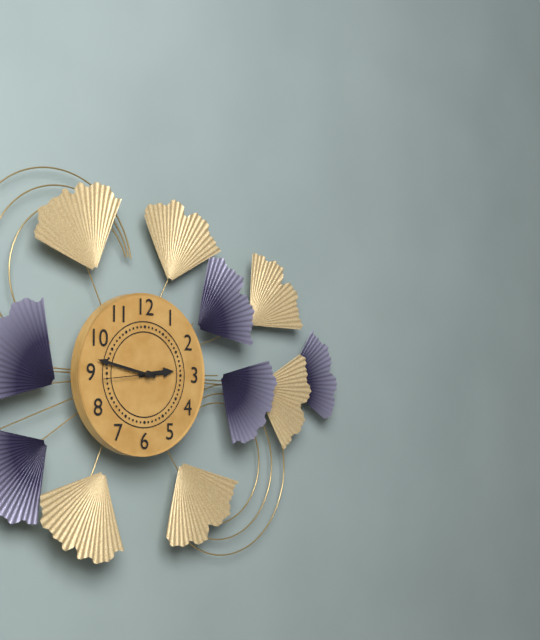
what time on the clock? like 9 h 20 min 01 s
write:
2 h 47 min 44 s
